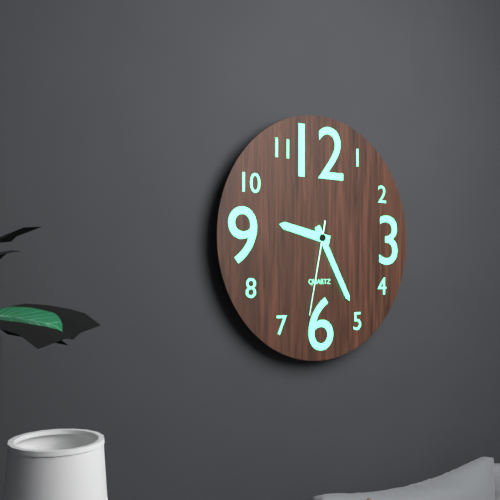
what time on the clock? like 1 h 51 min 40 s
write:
9 h 25 min 32 s
